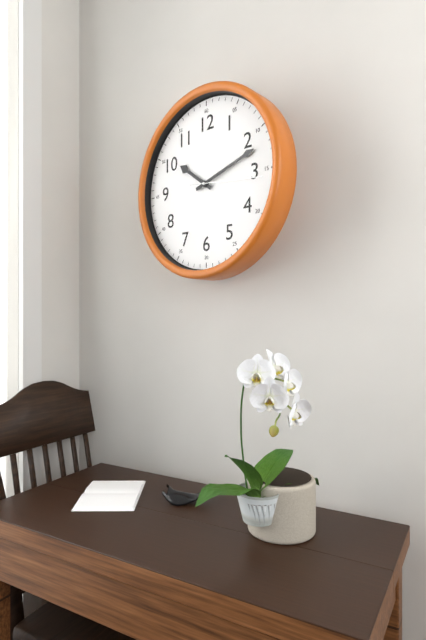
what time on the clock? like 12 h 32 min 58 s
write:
10 h 12 min 16 s
